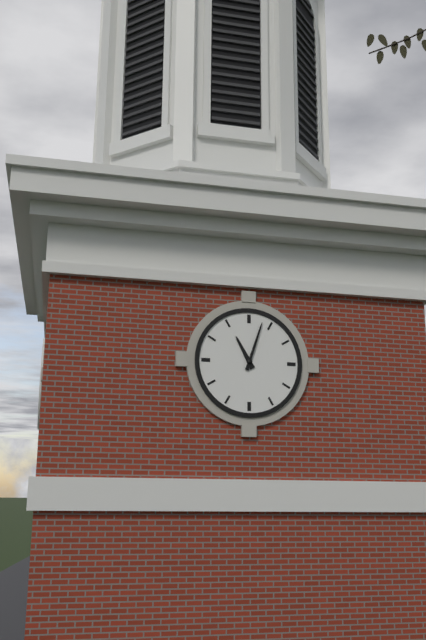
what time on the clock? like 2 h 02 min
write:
11 h 03 min
